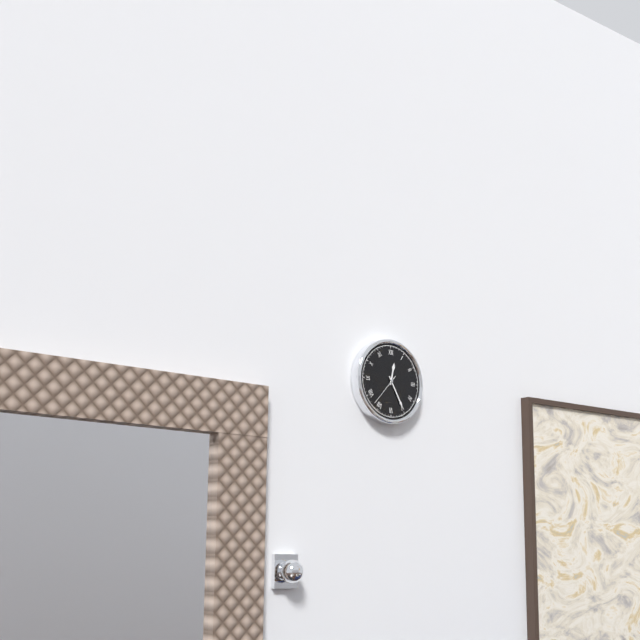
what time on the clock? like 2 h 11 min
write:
12 h 25 min
